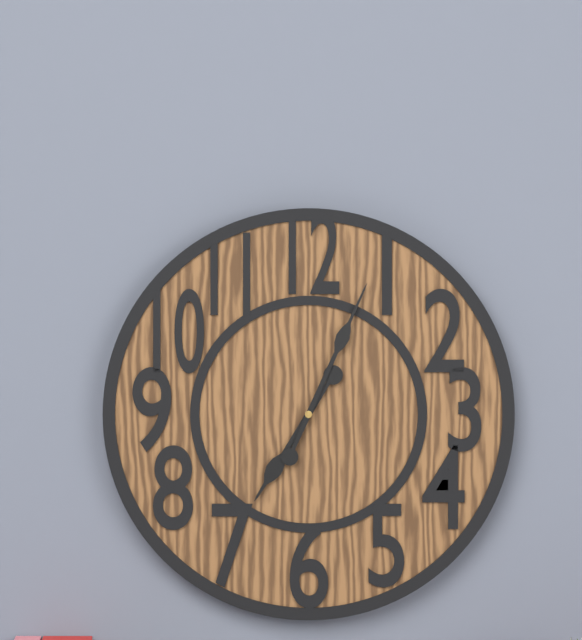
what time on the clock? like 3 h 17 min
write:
7 h 04 min
